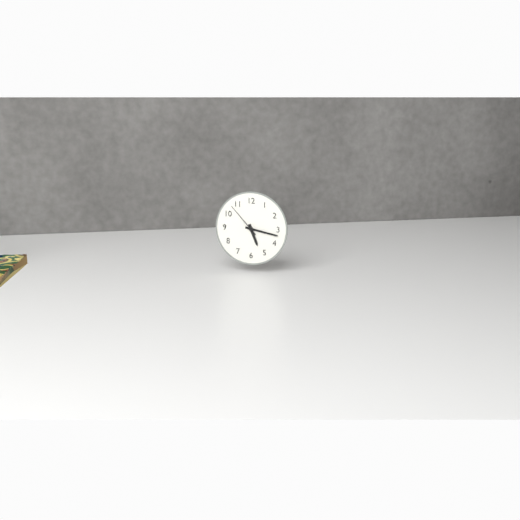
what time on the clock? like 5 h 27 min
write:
5 h 17 min
